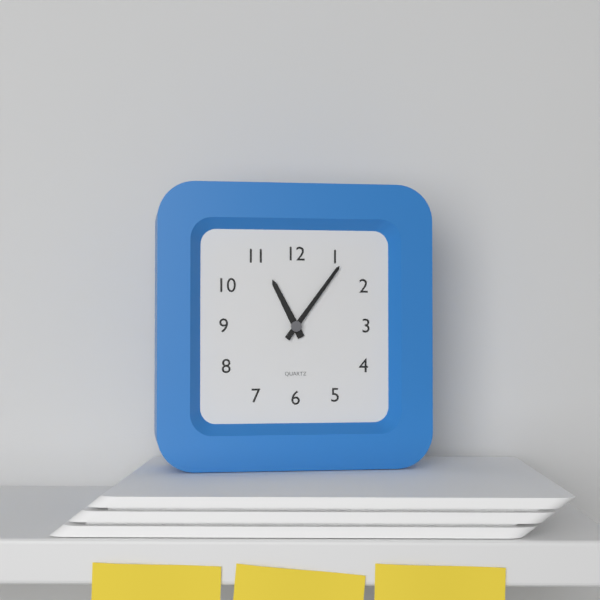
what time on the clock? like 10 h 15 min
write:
11 h 06 min
